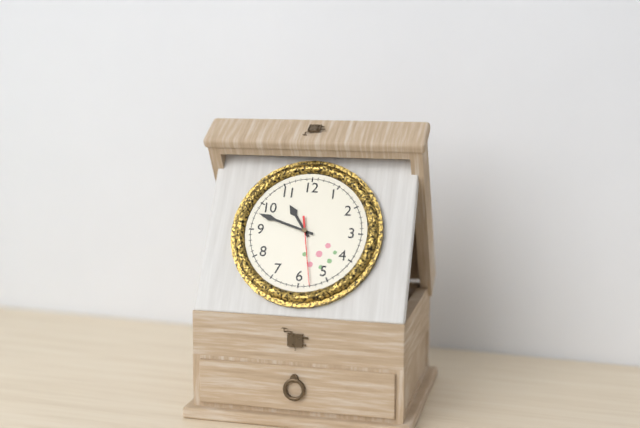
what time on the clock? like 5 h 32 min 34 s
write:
10 h 48 min 28 s
